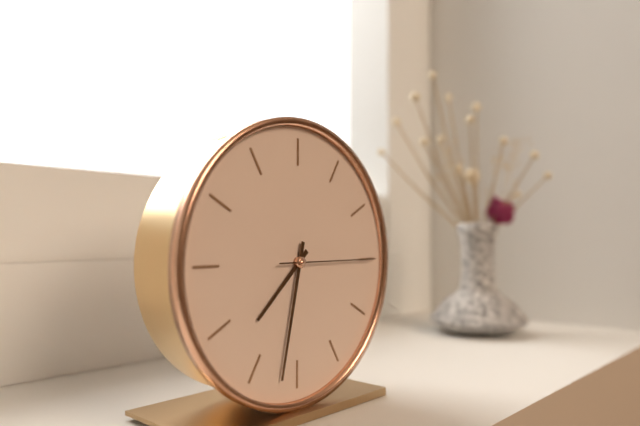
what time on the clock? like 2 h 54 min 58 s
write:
7 h 32 min 15 s
